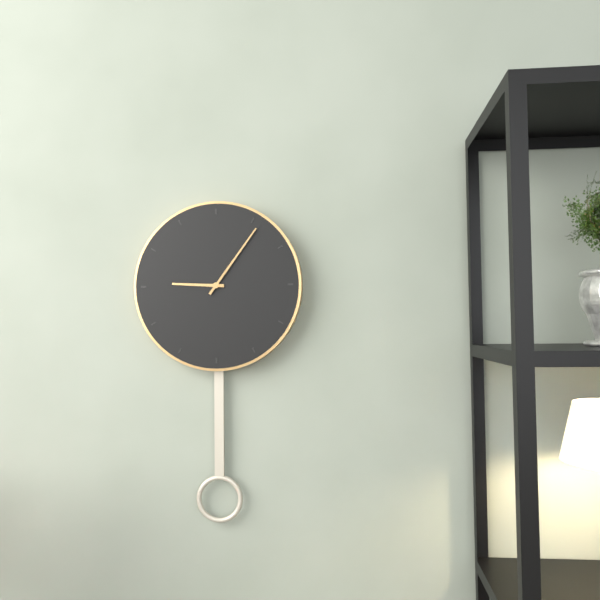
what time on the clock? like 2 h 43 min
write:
9 h 06 min
